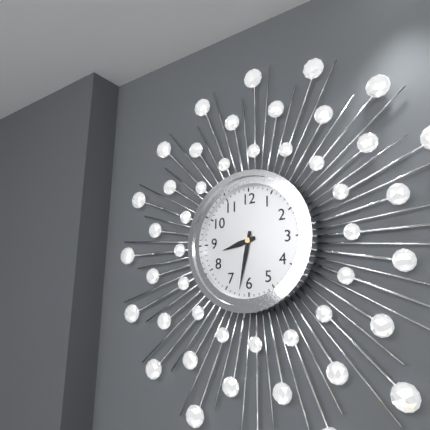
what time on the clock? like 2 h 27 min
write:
8 h 32 min
